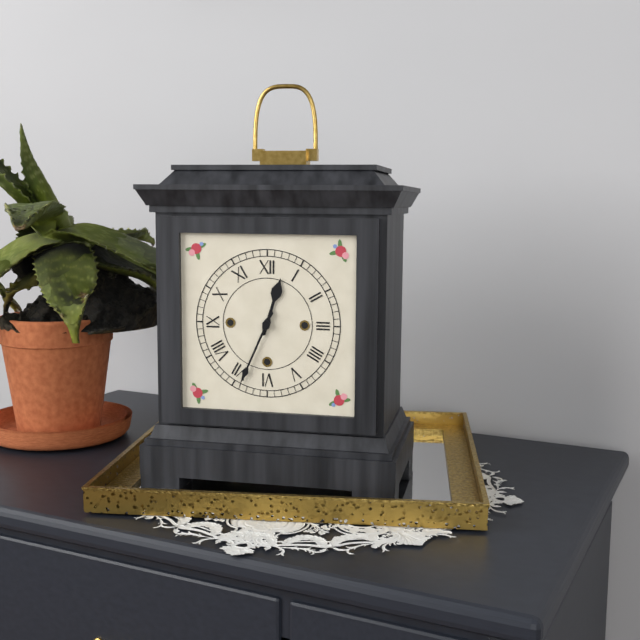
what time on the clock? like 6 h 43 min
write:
12 h 34 min
